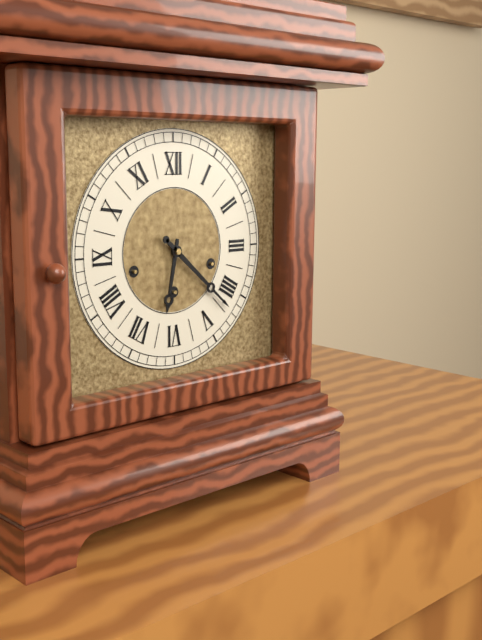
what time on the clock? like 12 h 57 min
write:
6 h 22 min
